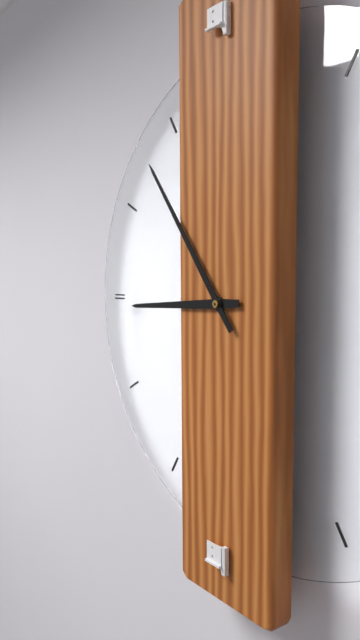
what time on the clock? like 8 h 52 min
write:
8 h 54 min
